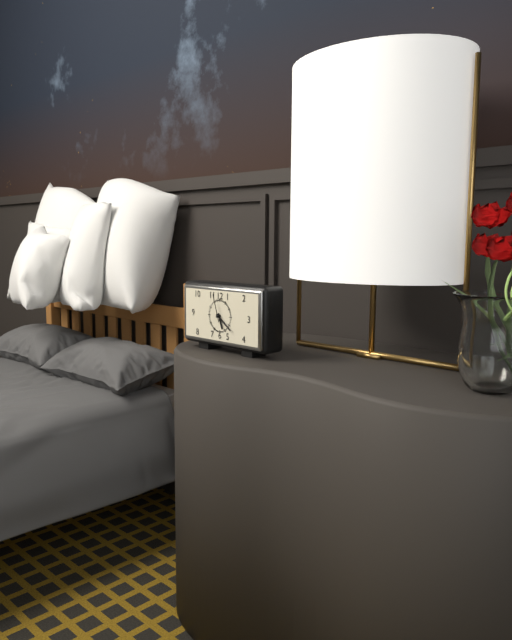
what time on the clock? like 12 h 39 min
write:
5 h 21 min
